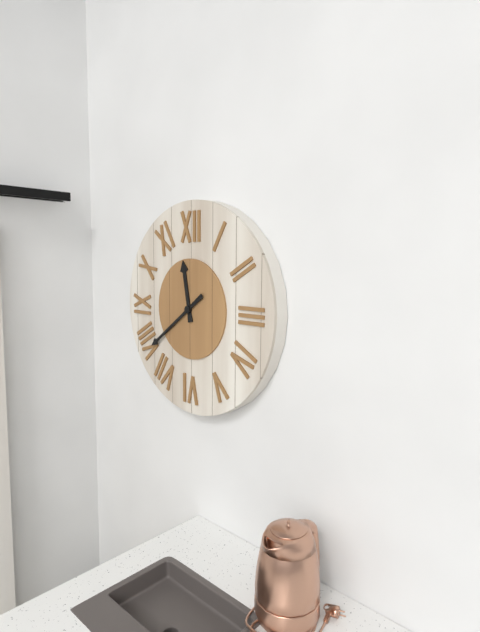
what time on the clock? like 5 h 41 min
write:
11 h 39 min
